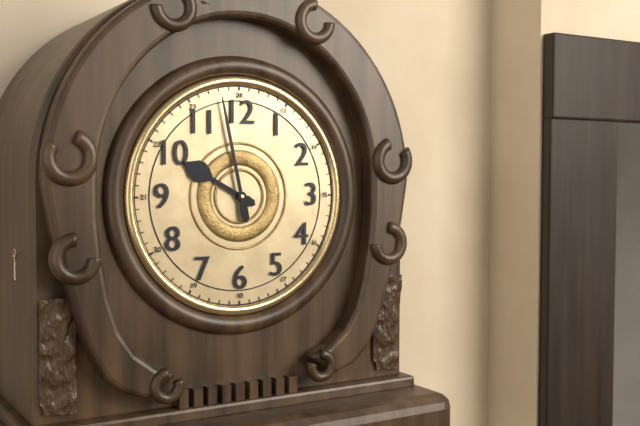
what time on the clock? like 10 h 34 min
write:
9 h 58 min
